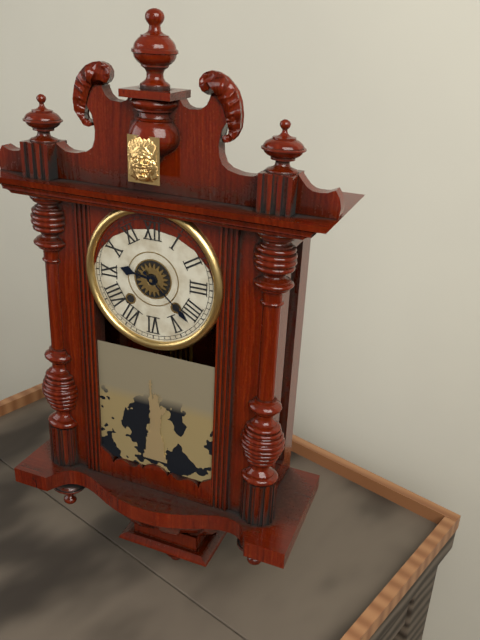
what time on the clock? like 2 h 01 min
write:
9 h 22 min
